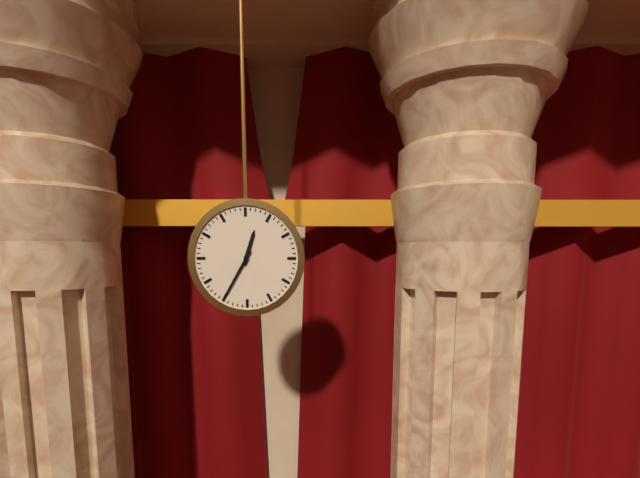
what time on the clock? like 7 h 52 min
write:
12 h 35 min
